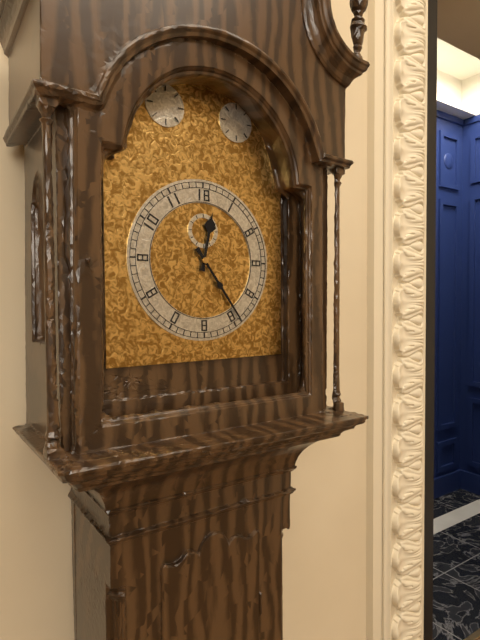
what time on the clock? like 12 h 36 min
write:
12 h 24 min
